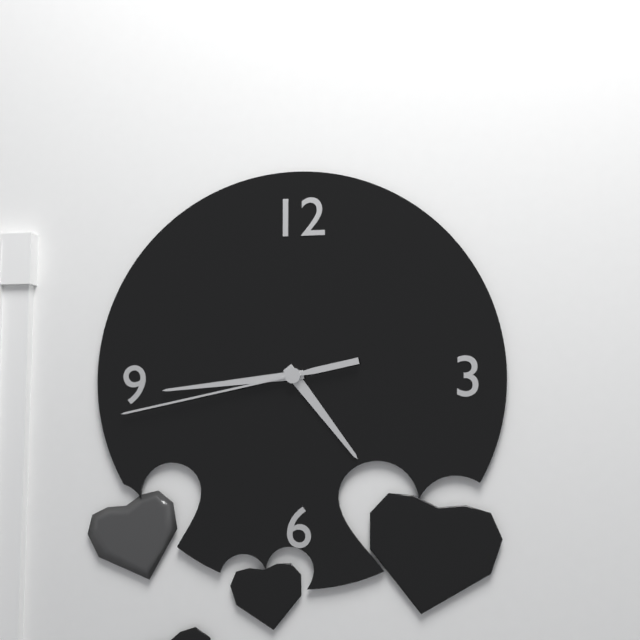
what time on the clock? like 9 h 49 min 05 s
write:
4 h 44 min 43 s
